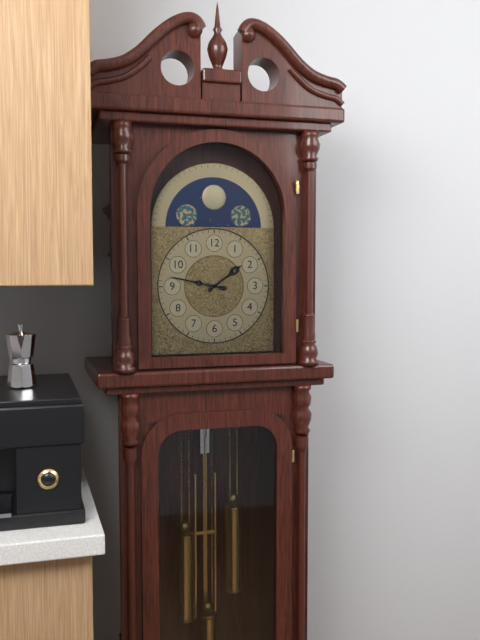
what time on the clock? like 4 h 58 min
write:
1 h 47 min
